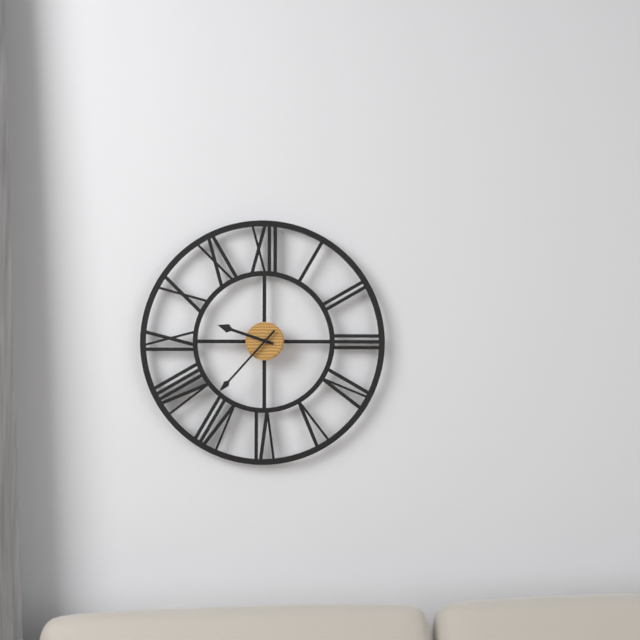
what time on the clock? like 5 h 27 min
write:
9 h 37 min
